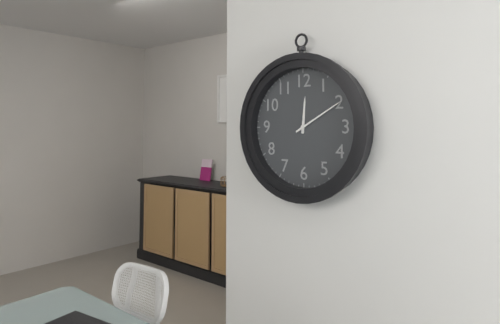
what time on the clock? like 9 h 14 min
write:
12 h 10 min
